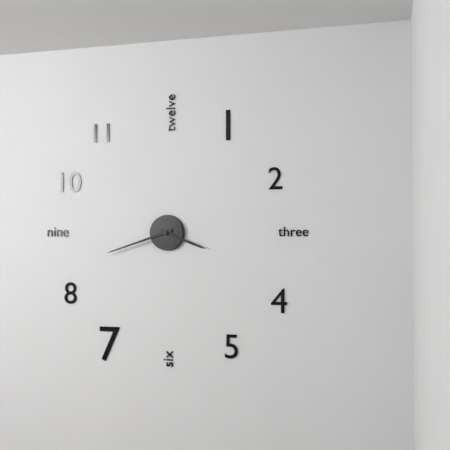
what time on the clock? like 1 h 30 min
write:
3 h 42 min
